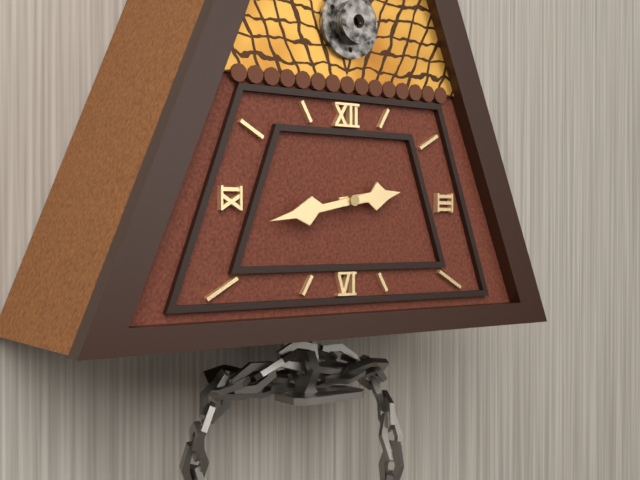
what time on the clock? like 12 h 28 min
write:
2 h 43 min
